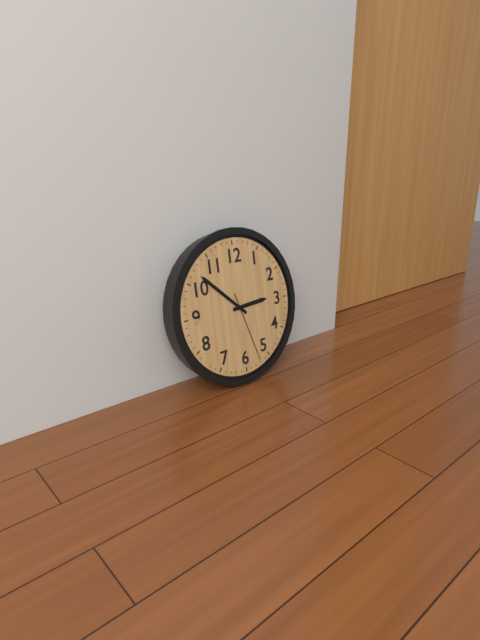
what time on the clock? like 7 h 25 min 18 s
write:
2 h 52 min 27 s
